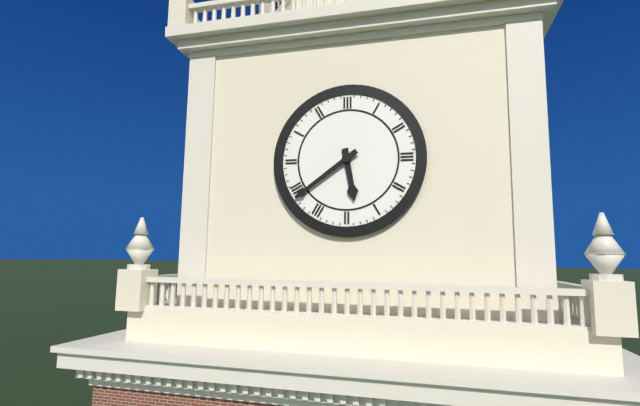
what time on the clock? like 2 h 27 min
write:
5 h 39 min
